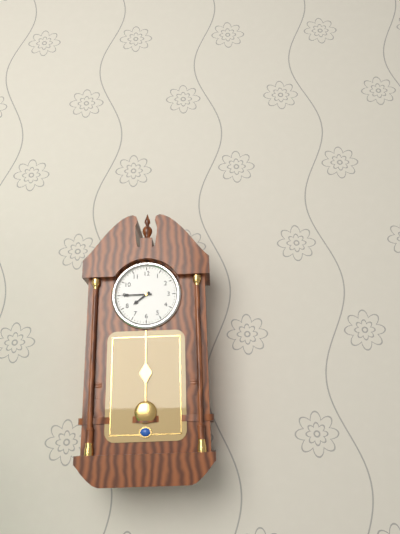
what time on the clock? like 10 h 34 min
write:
7 h 45 min
